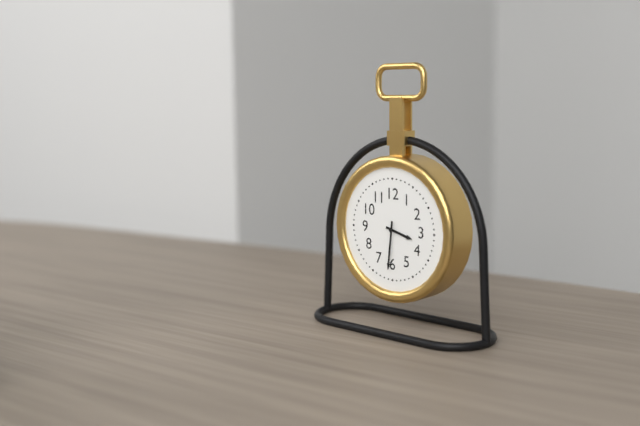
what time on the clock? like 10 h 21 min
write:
3 h 31 min
